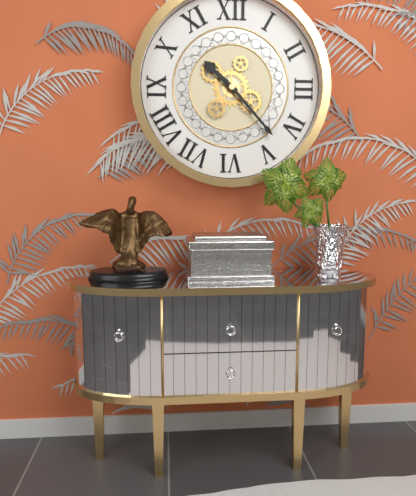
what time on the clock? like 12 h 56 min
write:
10 h 23 min
